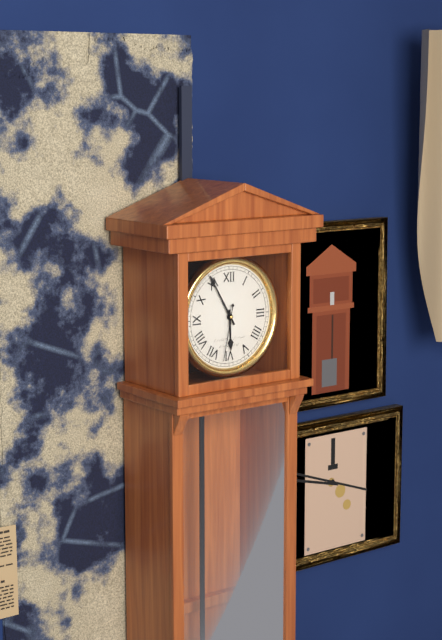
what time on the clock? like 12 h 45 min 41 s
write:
5 h 55 min 32 s
